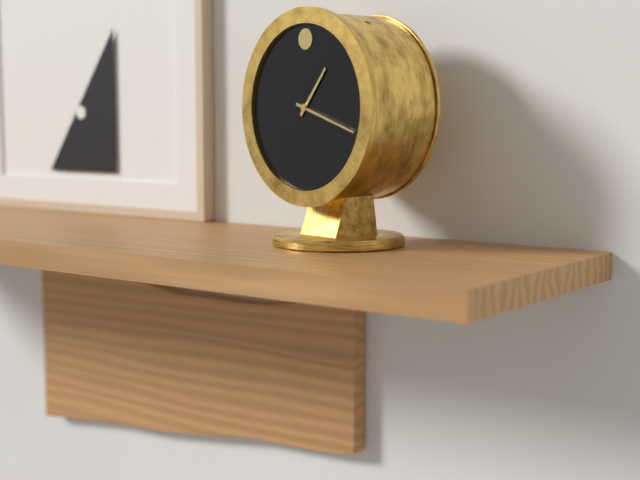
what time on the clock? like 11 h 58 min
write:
1 h 18 min
